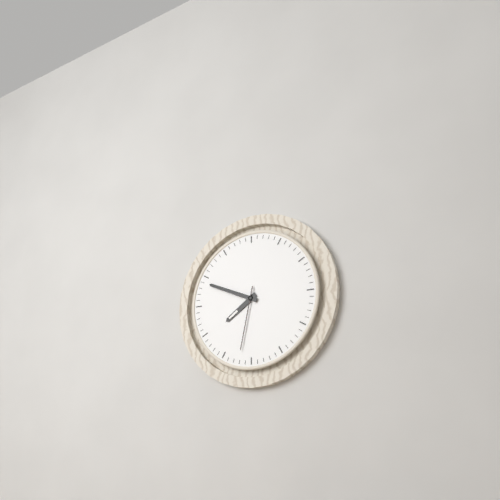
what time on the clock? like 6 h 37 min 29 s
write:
7 h 49 min 32 s
